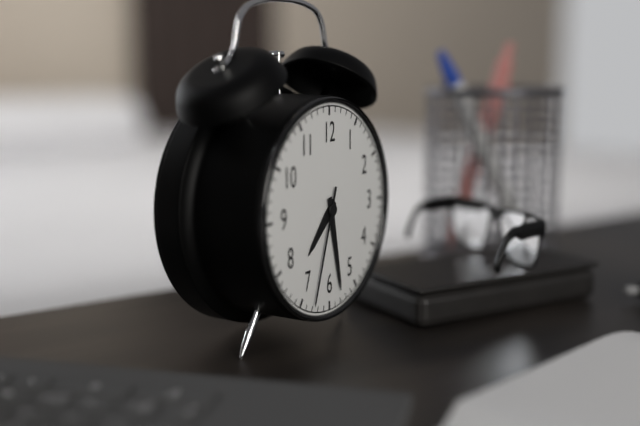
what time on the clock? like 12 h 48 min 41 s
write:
7 h 28 min 33 s
